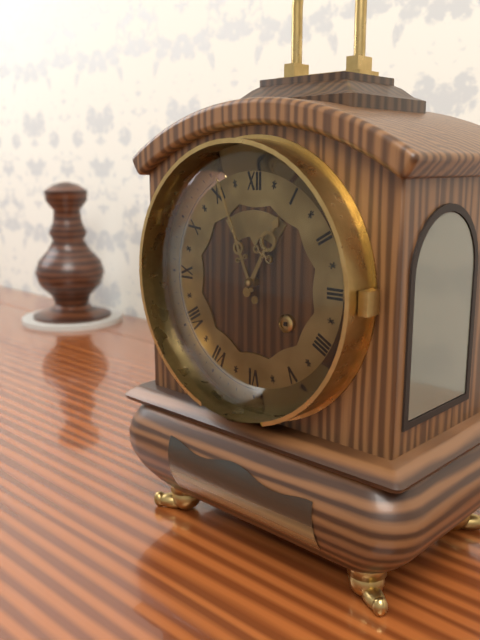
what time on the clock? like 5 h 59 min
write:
12 h 56 min
